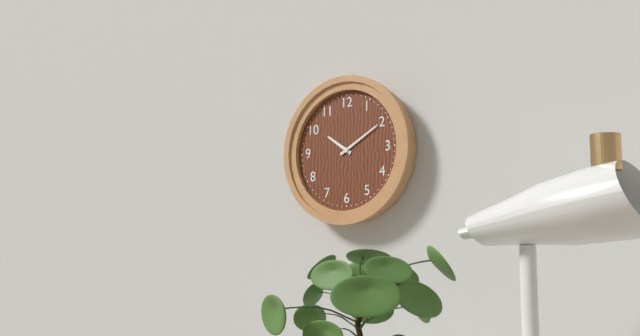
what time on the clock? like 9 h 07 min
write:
10 h 10 min
